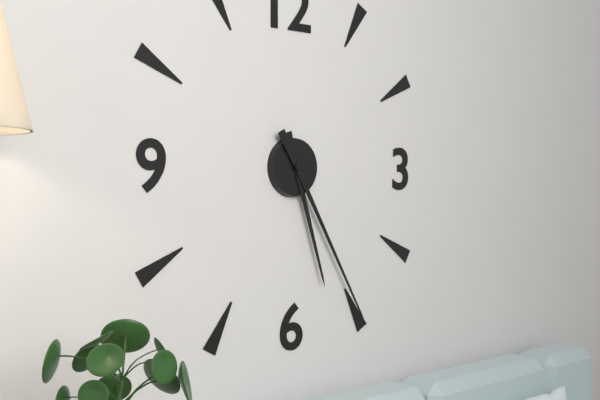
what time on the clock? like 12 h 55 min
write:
5 h 25 min
